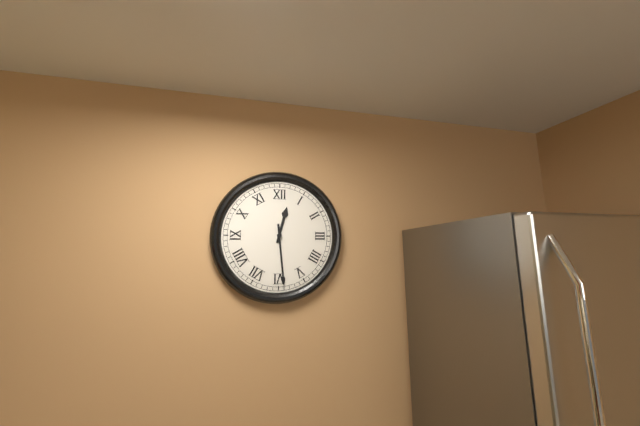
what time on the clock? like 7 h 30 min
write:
12 h 29 min
